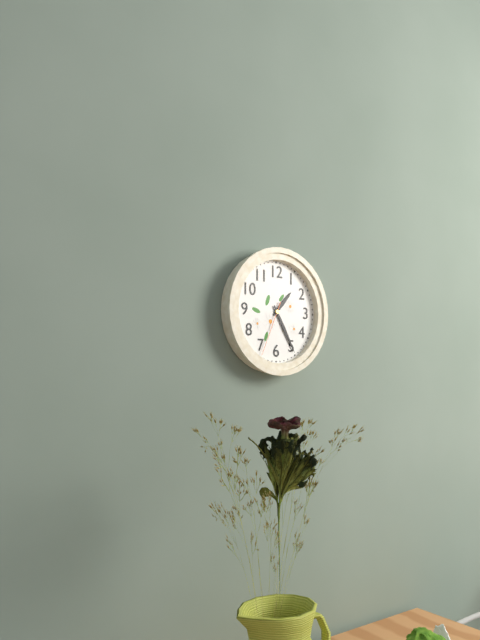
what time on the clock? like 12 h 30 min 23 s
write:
1 h 25 min 34 s
